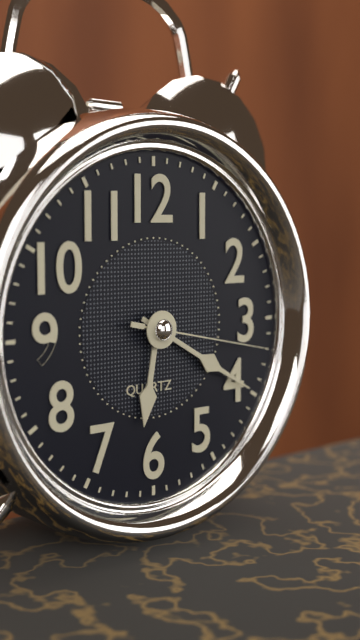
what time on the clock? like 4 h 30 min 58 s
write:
6 h 20 min 17 s
